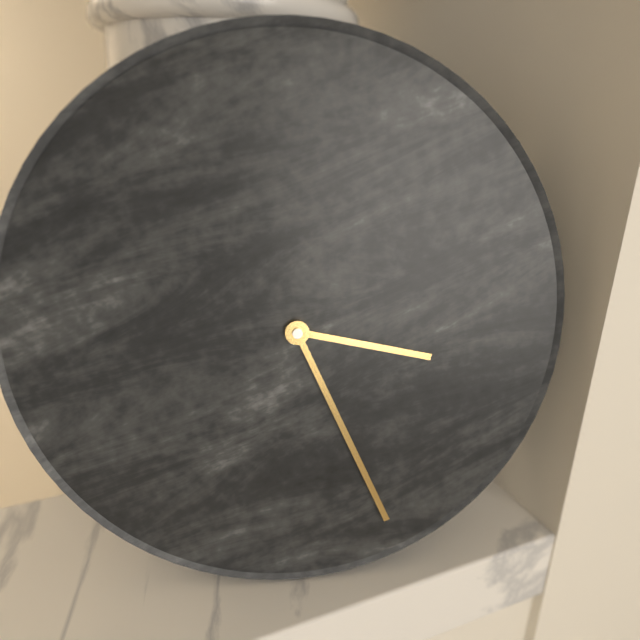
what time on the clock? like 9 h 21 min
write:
3 h 26 min
